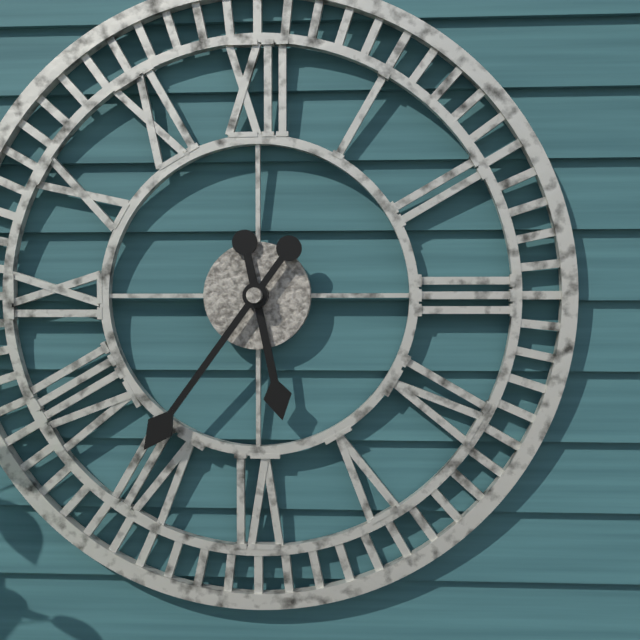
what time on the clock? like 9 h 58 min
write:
5 h 36 min
